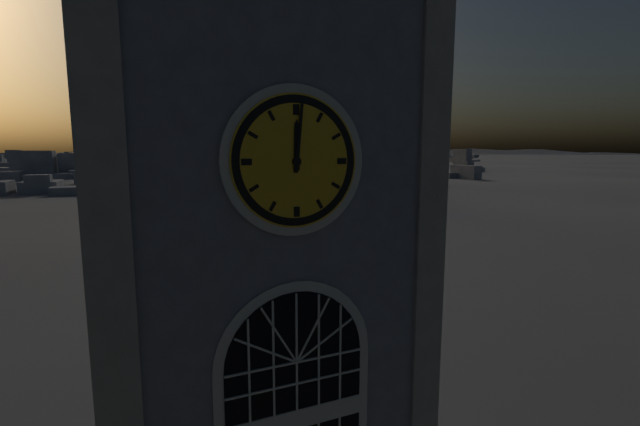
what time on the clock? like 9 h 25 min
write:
12 h 01 min
